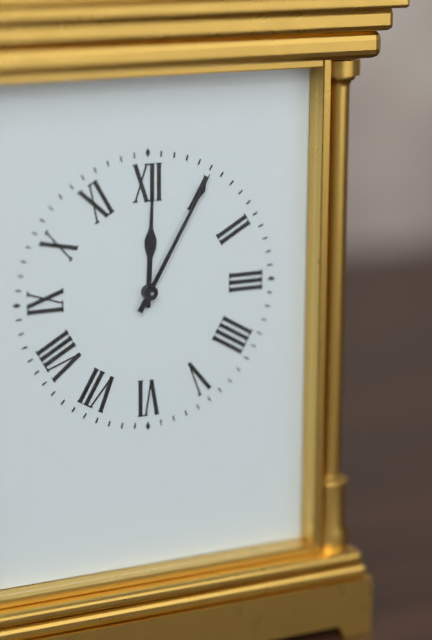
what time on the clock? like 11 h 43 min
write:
12 h 05 min
